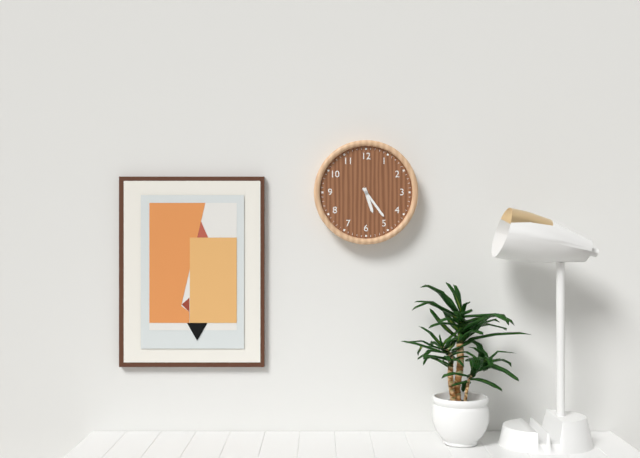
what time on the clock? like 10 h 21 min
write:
5 h 24 min
